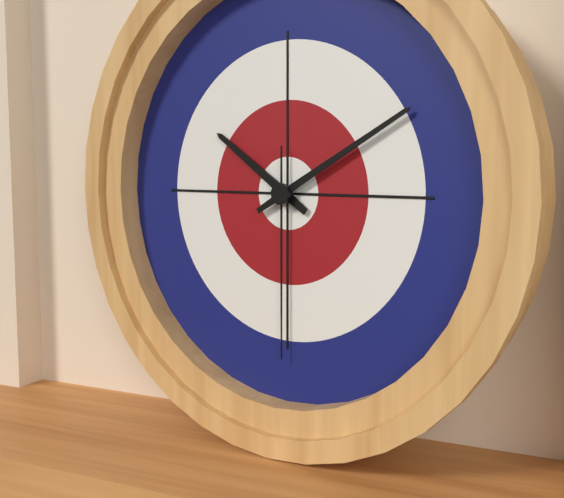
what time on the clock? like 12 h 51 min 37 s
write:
10 h 10 min 30 s
